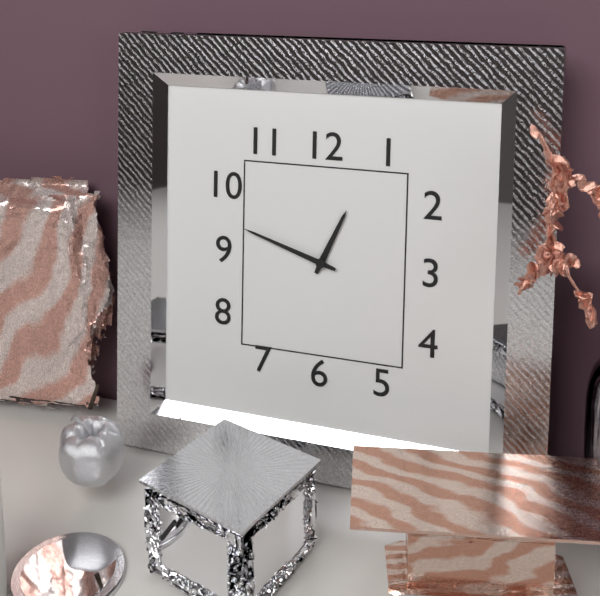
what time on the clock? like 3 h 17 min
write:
12 h 48 min
